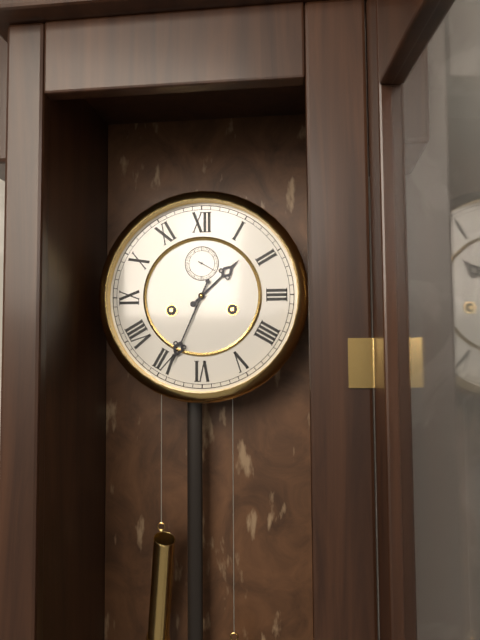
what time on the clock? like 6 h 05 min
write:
1 h 34 min
